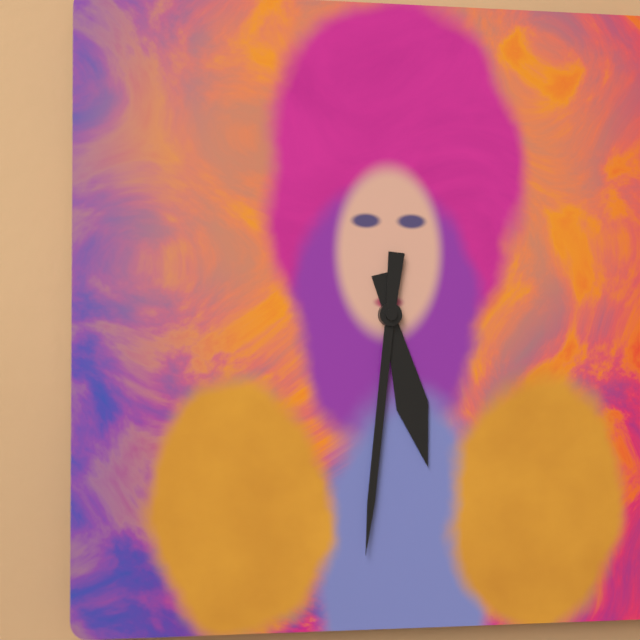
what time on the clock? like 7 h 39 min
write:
5 h 31 min
